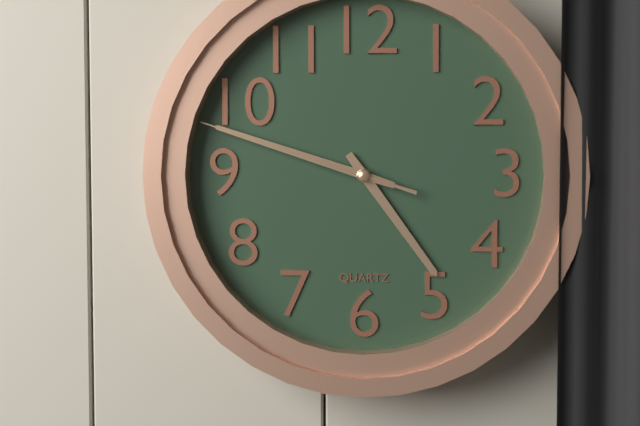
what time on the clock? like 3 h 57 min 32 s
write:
4 h 48 min 48 s
